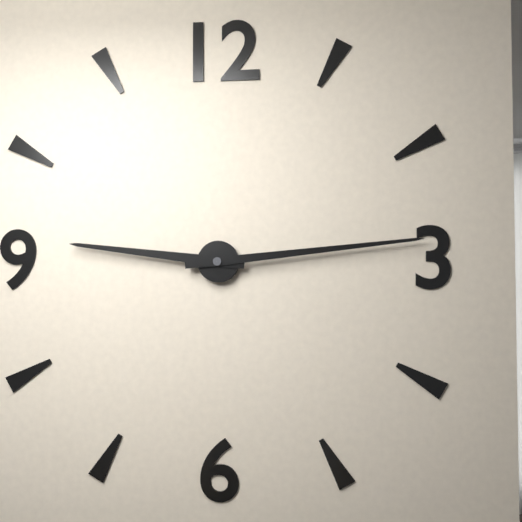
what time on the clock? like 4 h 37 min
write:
9 h 14 min
